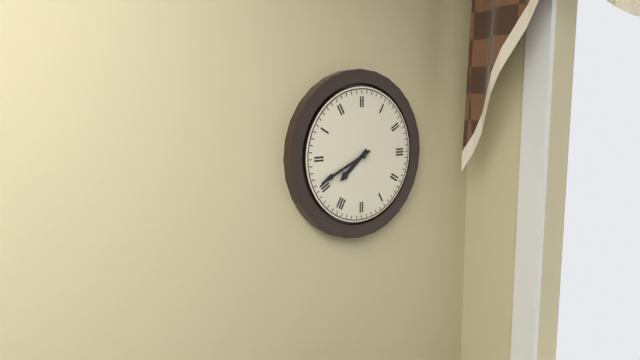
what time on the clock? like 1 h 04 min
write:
7 h 41 min
